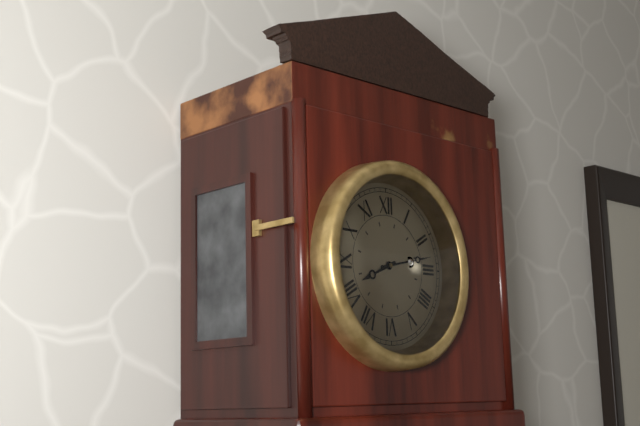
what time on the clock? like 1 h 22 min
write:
8 h 13 min
